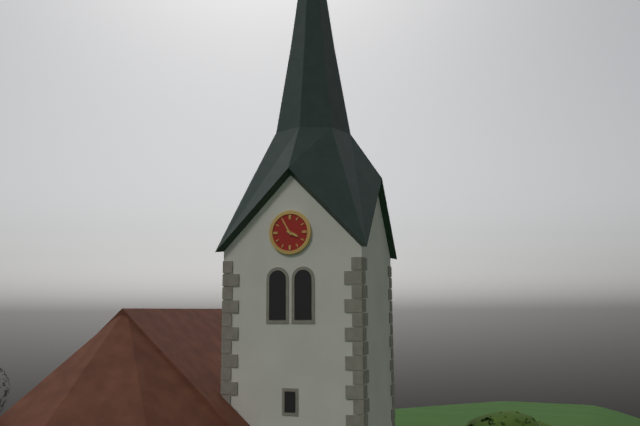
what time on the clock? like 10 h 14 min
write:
3 h 55 min
